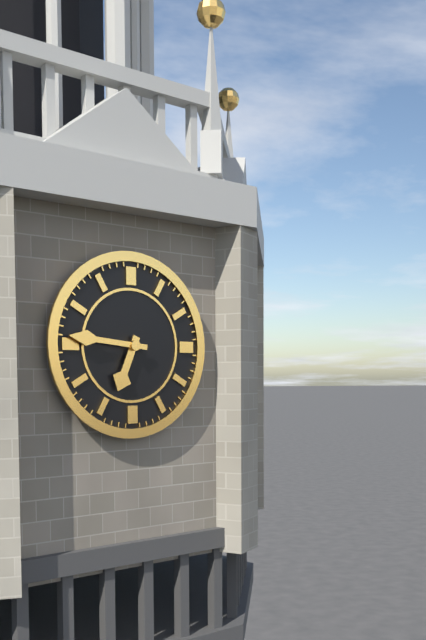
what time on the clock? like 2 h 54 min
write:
6 h 46 min
